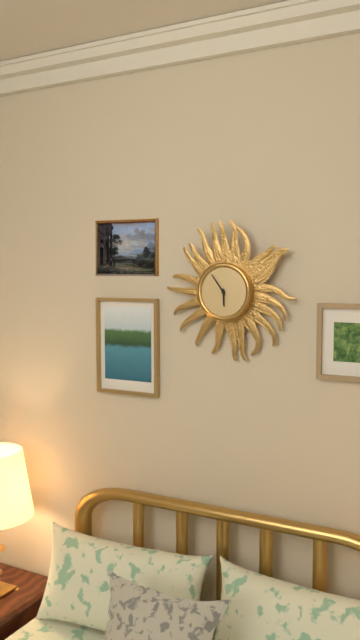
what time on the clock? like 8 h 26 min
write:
5 h 54 min
